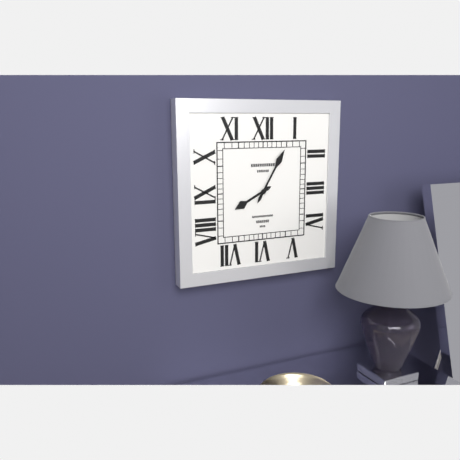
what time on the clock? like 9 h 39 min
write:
8 h 05 min
